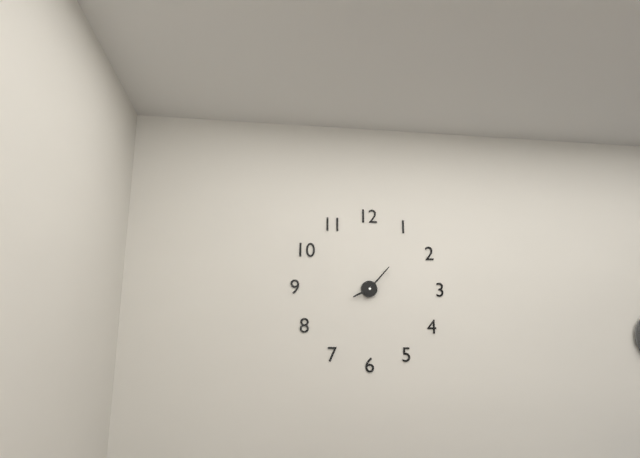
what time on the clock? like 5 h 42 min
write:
8 h 07 min
